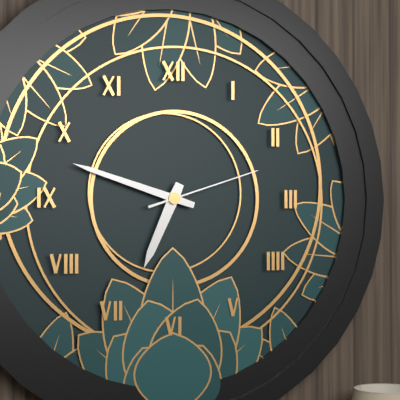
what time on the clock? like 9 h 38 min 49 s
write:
6 h 48 min 12 s
